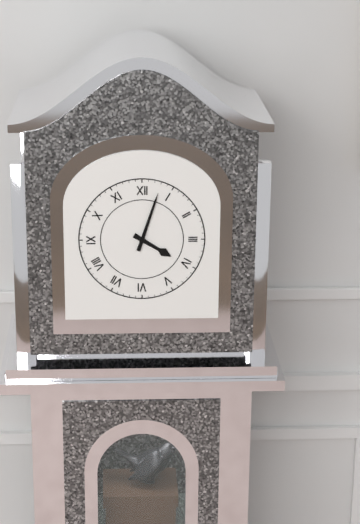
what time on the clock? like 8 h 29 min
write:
4 h 03 min
